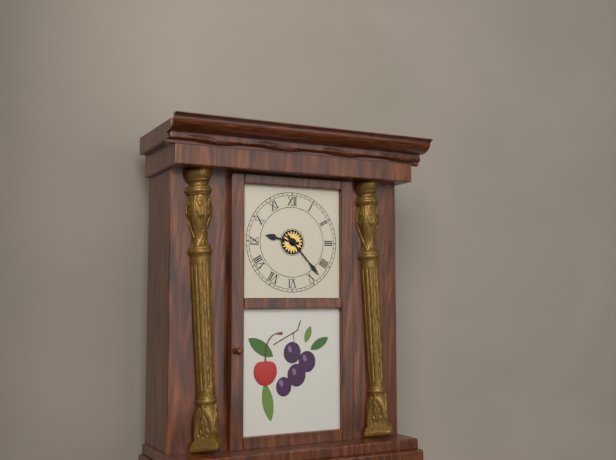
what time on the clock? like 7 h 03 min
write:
9 h 23 min
